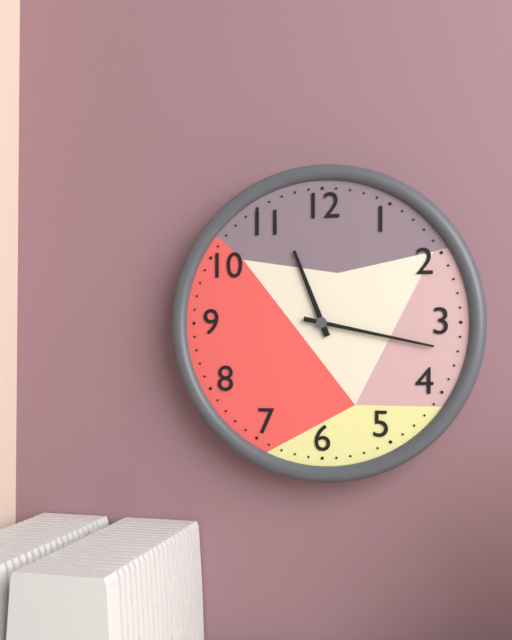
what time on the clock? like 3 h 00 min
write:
11 h 17 min
